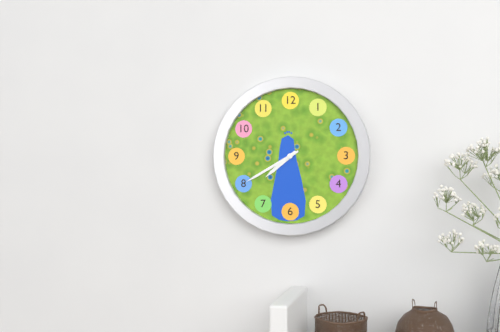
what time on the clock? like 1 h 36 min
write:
7 h 40 min
